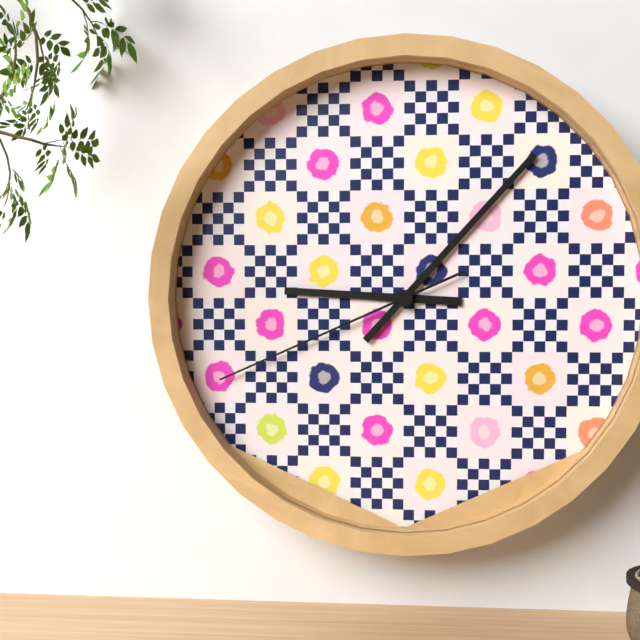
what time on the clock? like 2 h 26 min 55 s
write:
9 h 07 min 41 s
